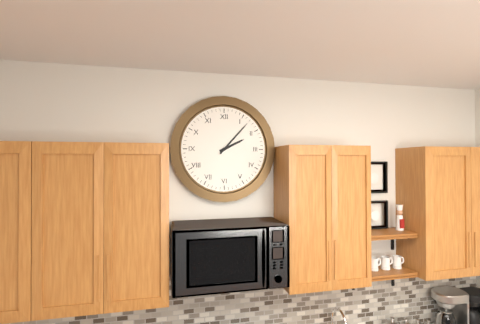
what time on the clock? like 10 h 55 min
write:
2 h 07 min
